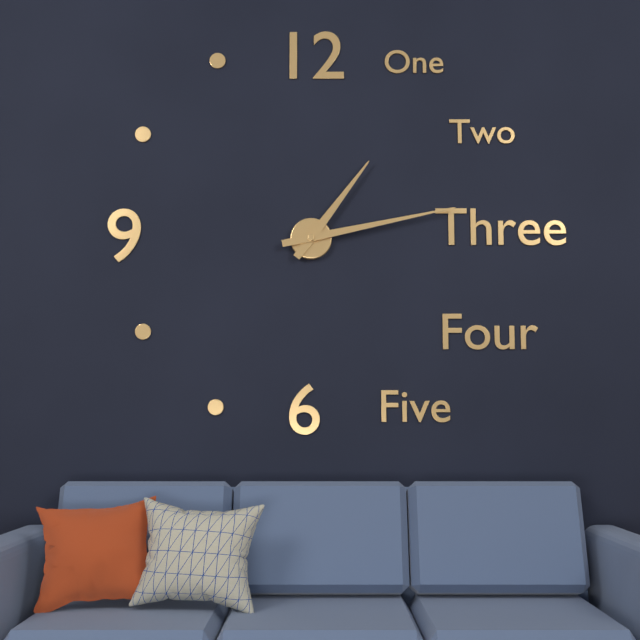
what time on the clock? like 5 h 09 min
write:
1 h 13 min
